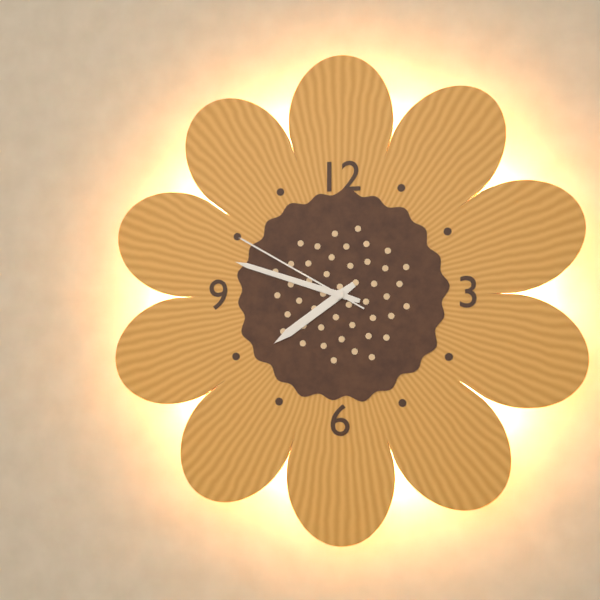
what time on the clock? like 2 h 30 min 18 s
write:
7 h 48 min 50 s
